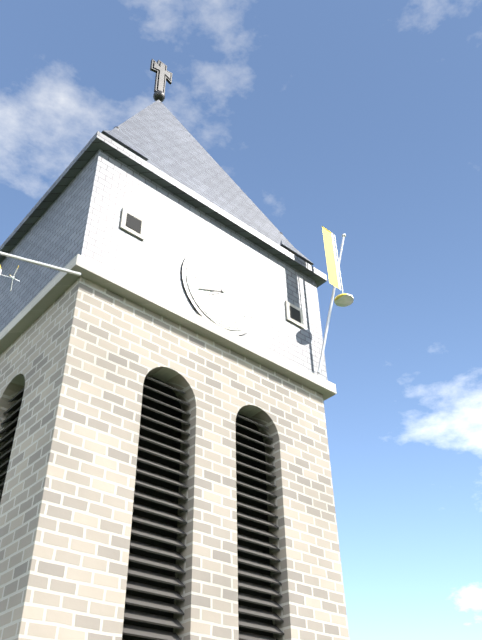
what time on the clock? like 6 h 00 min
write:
7 h 41 min
